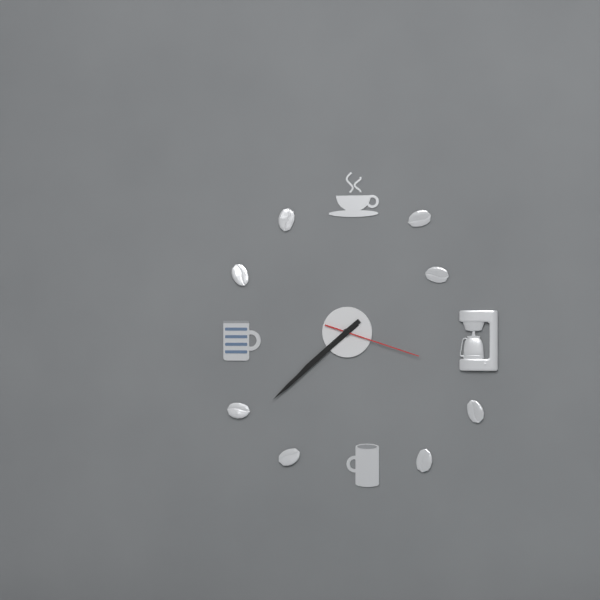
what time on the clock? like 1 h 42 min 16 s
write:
7 h 38 min 18 s
